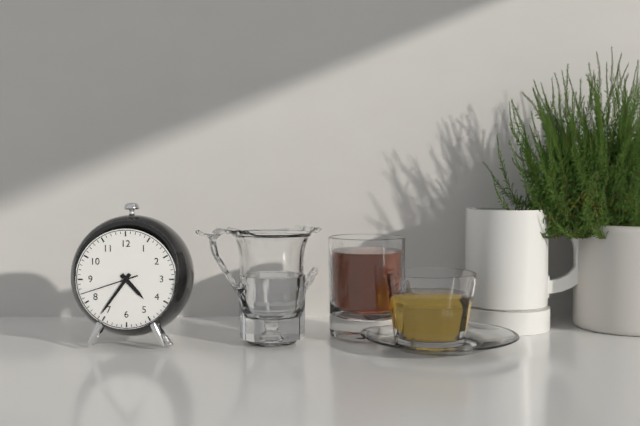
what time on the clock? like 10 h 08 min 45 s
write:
4 h 36 min 42 s
